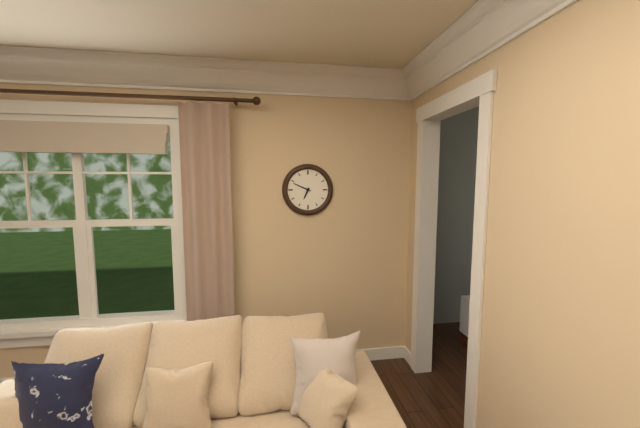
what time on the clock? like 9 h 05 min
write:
6 h 49 min
